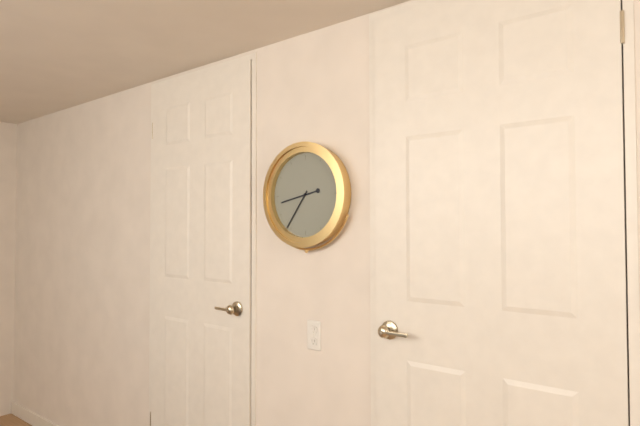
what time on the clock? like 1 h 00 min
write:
8 h 36 min
